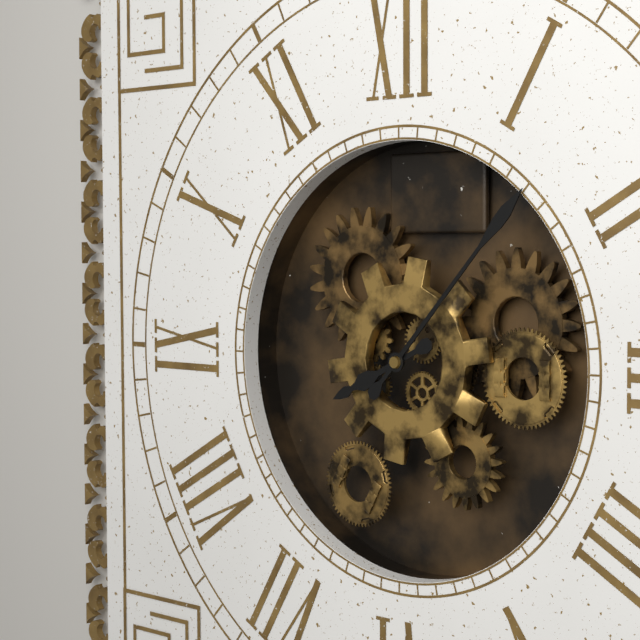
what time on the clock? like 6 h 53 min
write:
8 h 07 min
